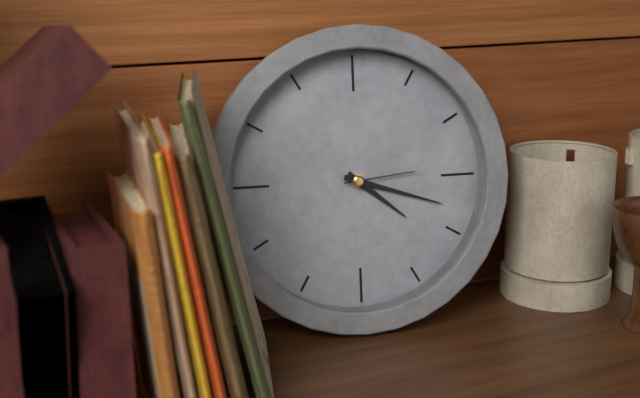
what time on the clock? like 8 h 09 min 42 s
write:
4 h 18 min 14 s
